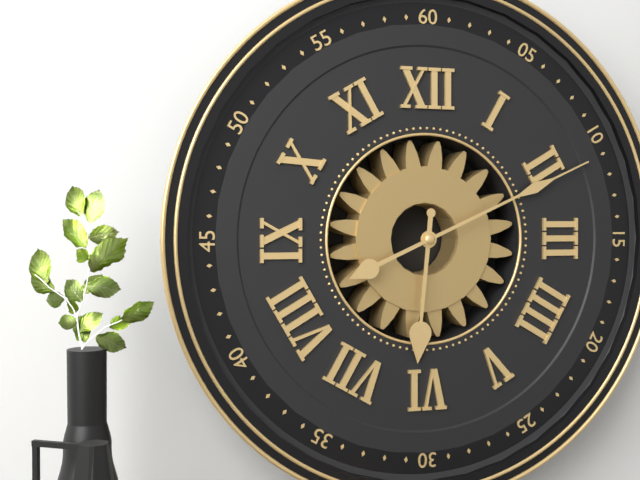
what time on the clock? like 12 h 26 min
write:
6 h 11 min
